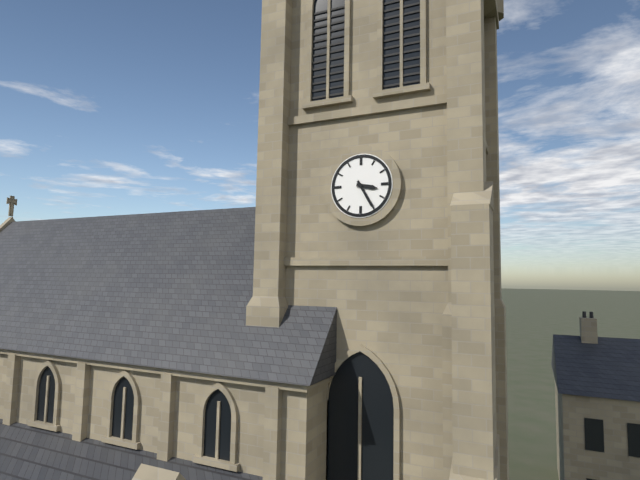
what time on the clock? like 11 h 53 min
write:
3 h 25 min
